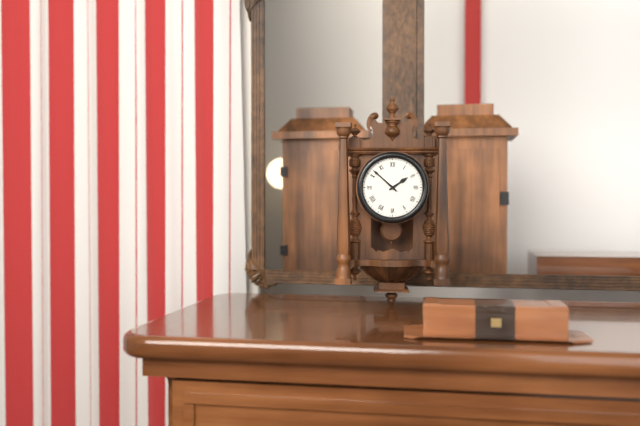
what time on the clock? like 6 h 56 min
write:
1 h 52 min
